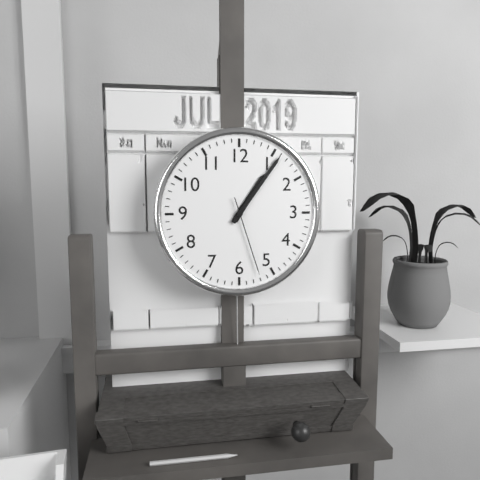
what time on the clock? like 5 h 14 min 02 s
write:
1 h 06 min 27 s
